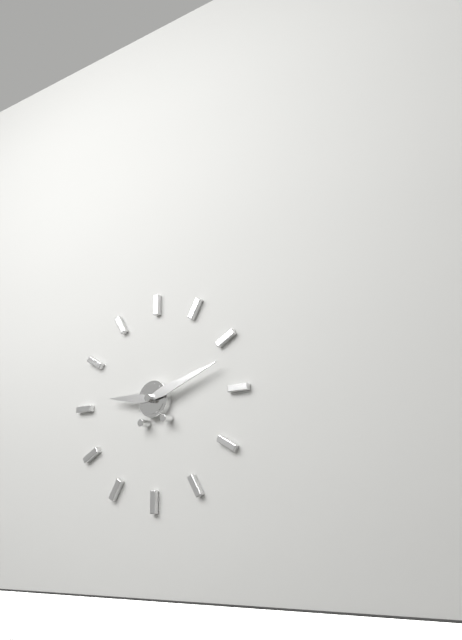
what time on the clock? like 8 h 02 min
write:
9 h 12 min
